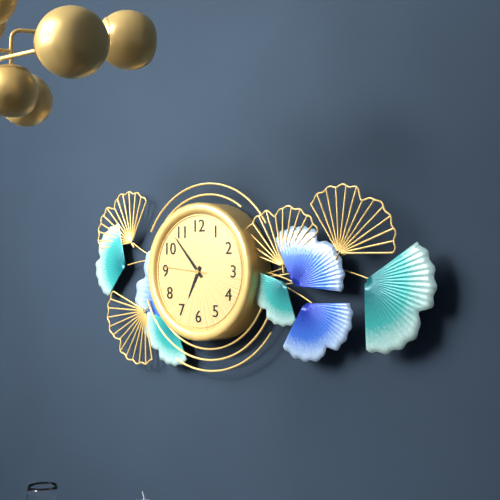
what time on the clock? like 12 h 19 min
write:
6 h 53 min
